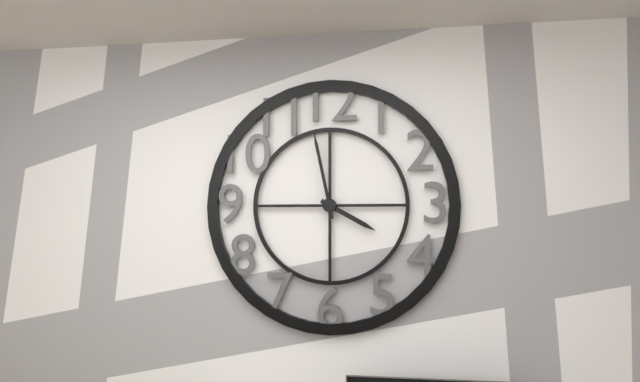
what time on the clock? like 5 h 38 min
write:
3 h 58 min
